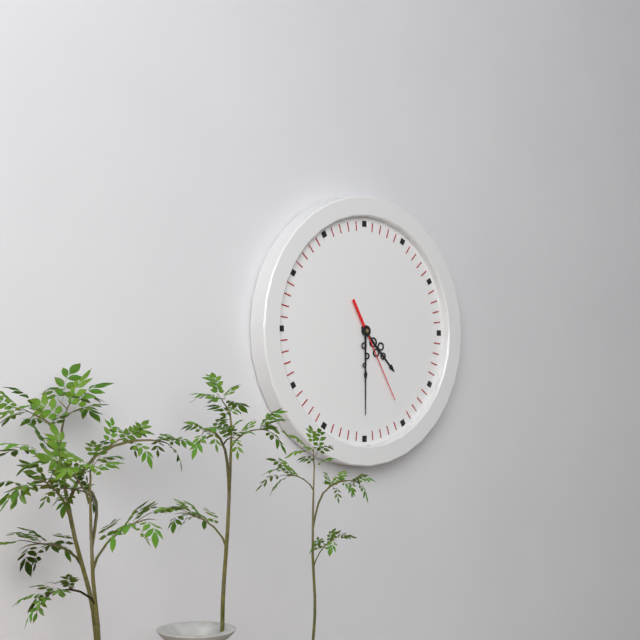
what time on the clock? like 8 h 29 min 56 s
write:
4 h 30 min 25 s
